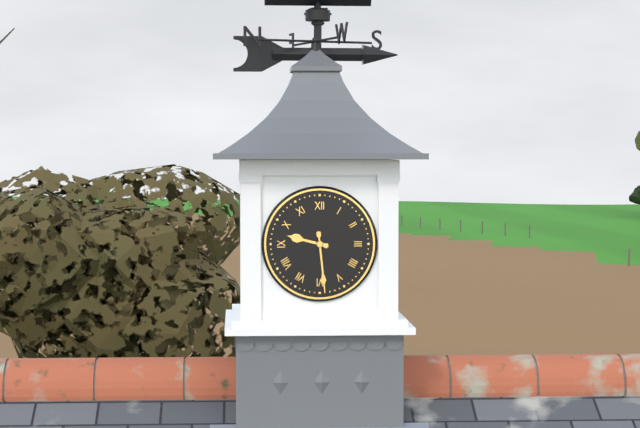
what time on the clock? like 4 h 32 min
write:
9 h 29 min
